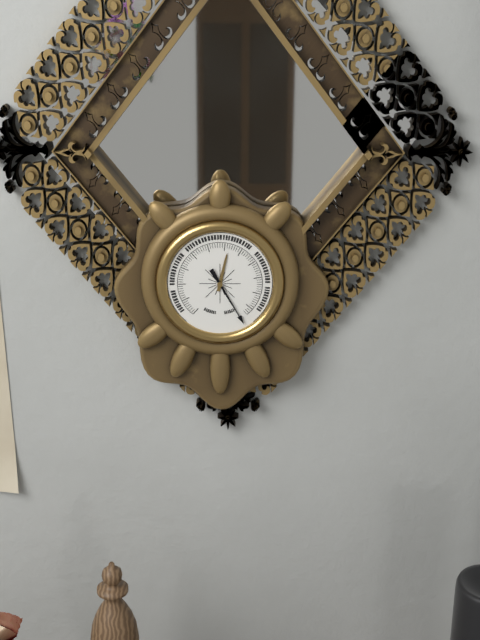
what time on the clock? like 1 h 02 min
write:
12 h 25 min
